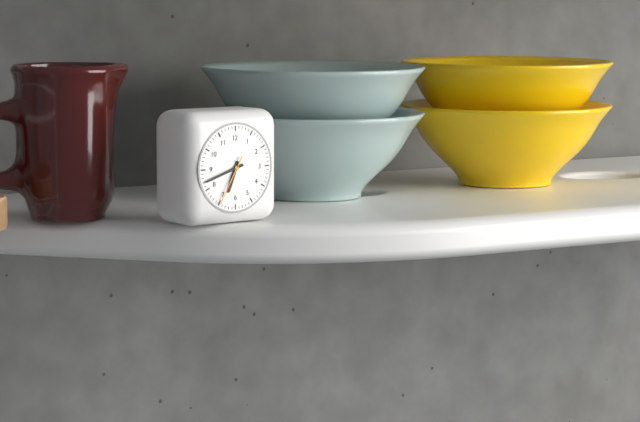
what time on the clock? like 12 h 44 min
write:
6 h 42 min
